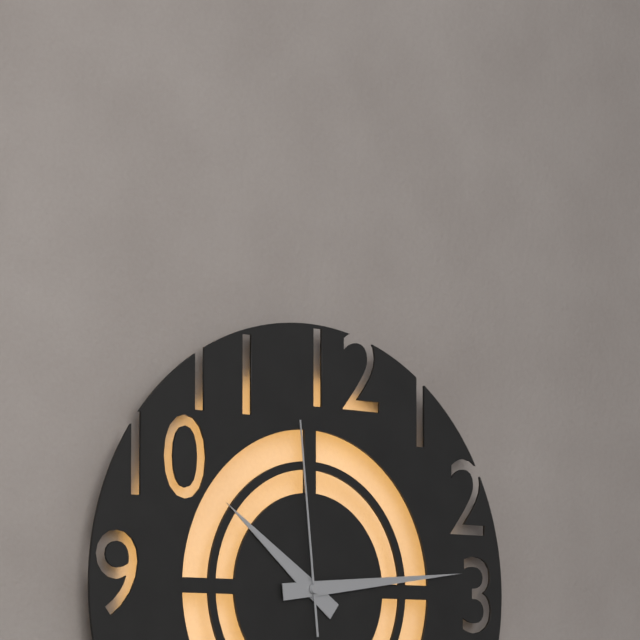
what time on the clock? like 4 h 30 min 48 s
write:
10 h 14 min 59 s
